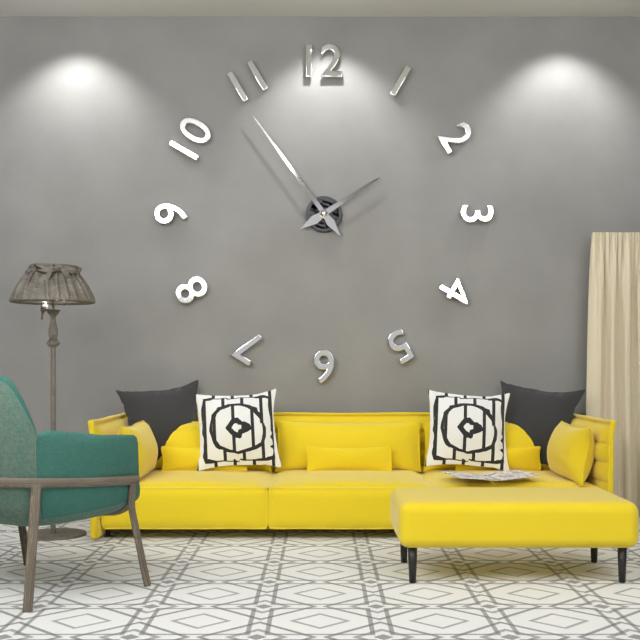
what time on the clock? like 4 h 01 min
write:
1 h 54 min
